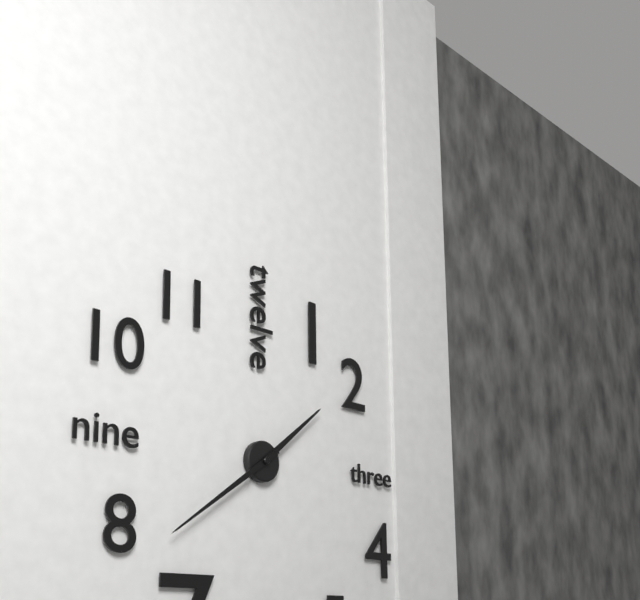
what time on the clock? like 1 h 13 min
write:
1 h 39 min
